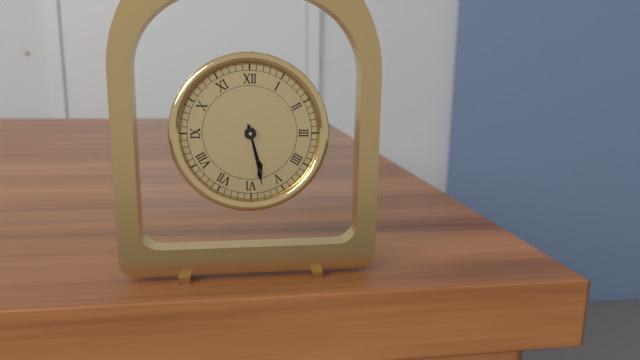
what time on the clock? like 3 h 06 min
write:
5 h 28 min
